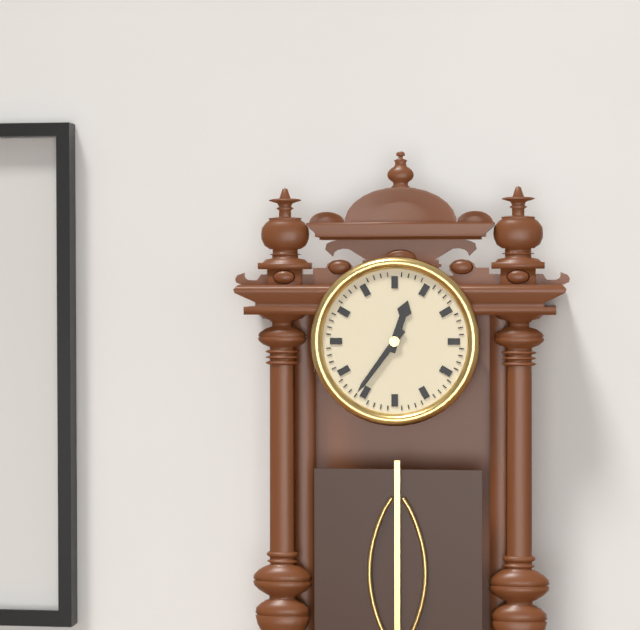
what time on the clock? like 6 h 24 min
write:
12 h 36 min
